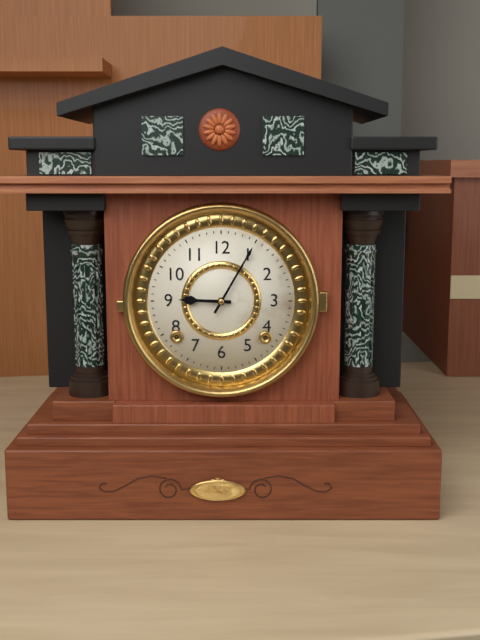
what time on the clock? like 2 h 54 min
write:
9 h 05 min
